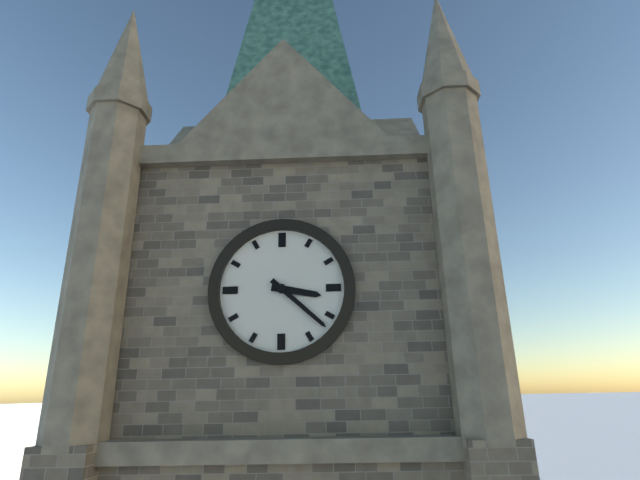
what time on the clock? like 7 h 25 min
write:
3 h 22 min
